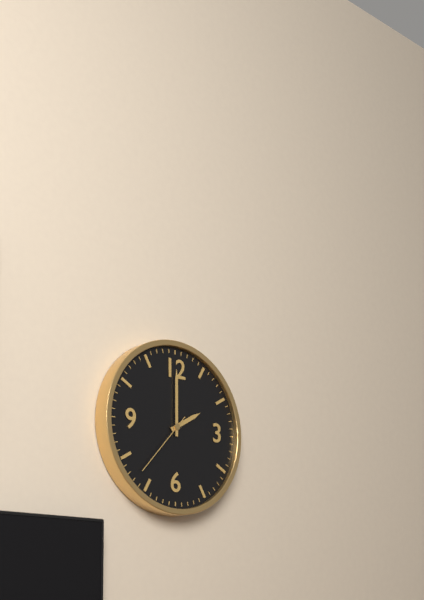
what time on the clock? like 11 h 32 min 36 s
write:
2 h 00 min 37 s
